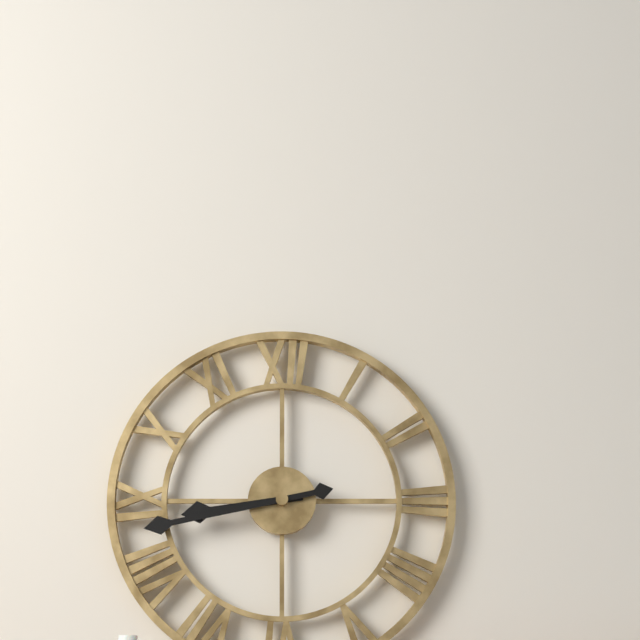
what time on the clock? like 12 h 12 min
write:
8 h 43 min
